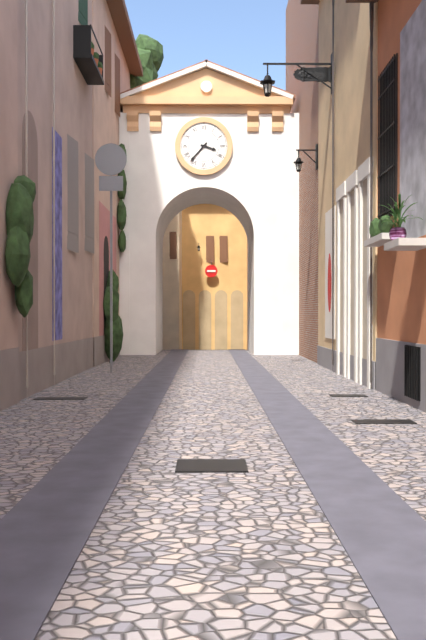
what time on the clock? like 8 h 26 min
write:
3 h 37 min
